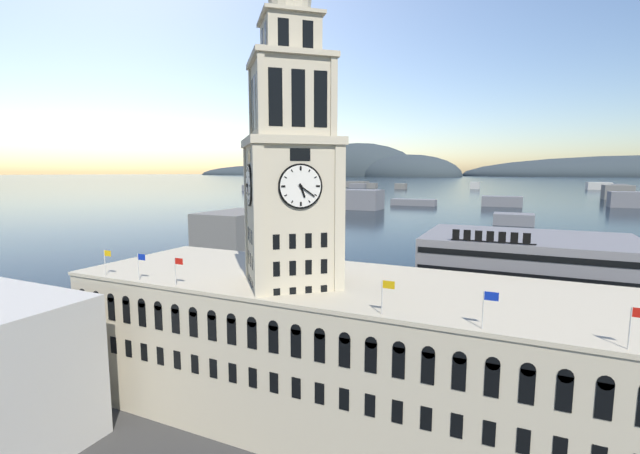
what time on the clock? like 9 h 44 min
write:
5 h 21 min
